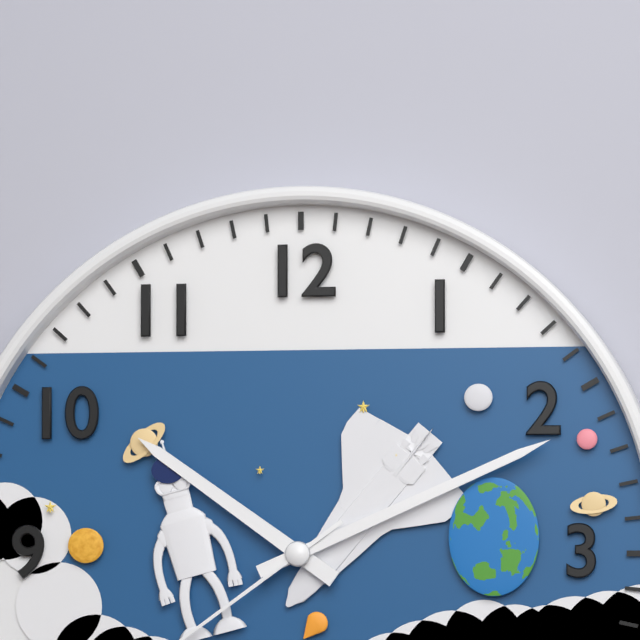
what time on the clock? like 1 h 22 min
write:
10 h 11 min
